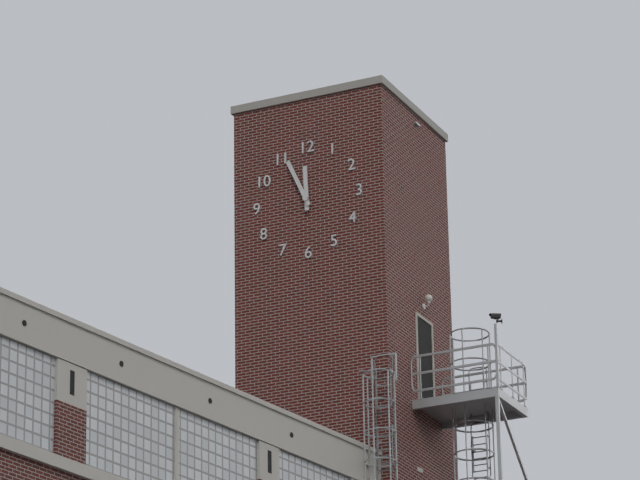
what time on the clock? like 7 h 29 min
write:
11 h 56 min
